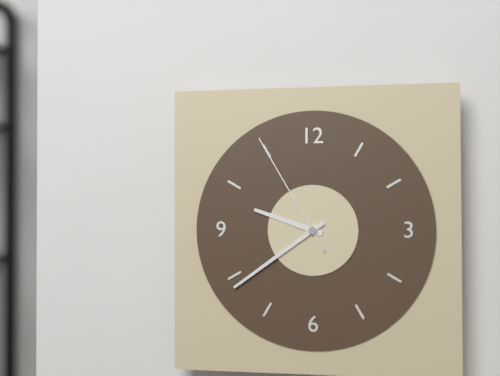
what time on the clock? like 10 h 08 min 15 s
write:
9 h 39 min 55 s
